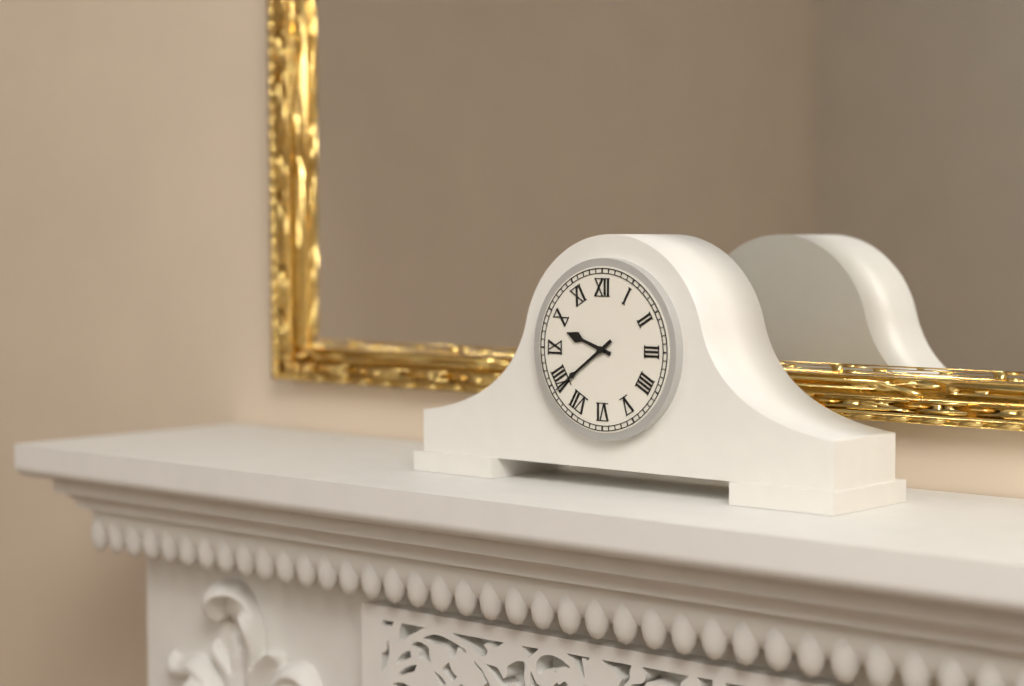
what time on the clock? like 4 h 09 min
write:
9 h 39 min
